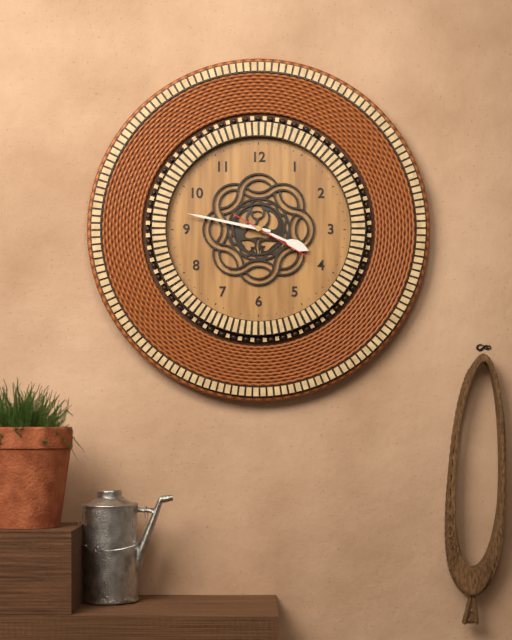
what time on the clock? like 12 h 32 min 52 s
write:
3 h 47 min 20 s
